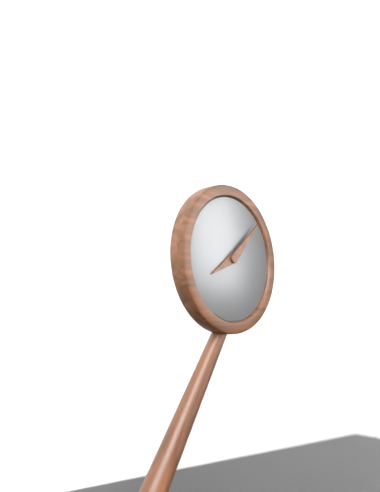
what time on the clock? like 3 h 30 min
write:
8 h 08 min
